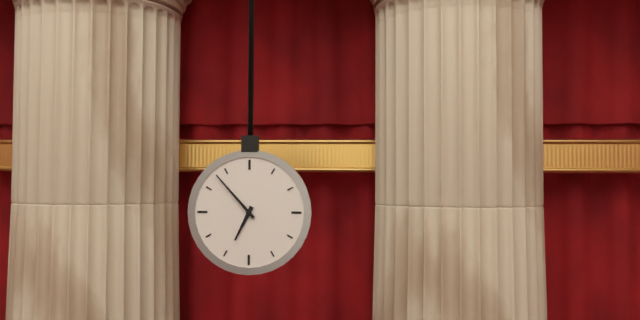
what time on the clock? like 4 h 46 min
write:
6 h 53 min
